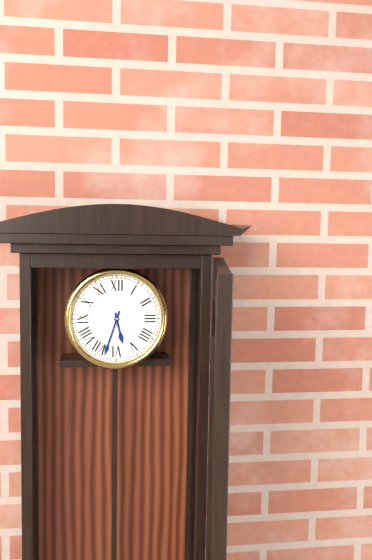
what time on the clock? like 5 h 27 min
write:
5 h 33 min
